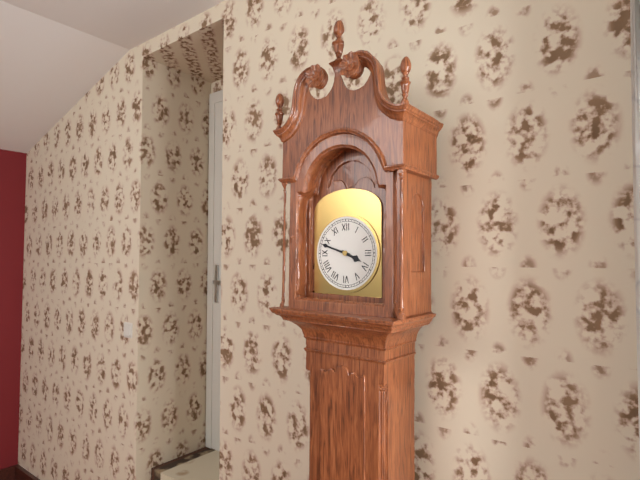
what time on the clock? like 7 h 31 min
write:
3 h 48 min
